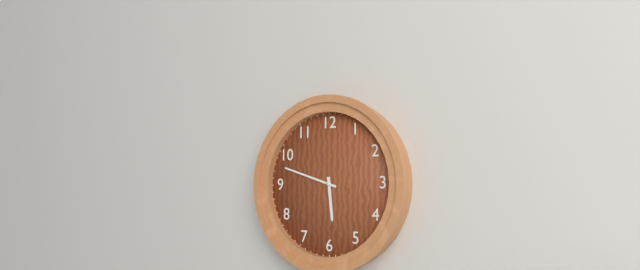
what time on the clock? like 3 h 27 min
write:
5 h 48 min
